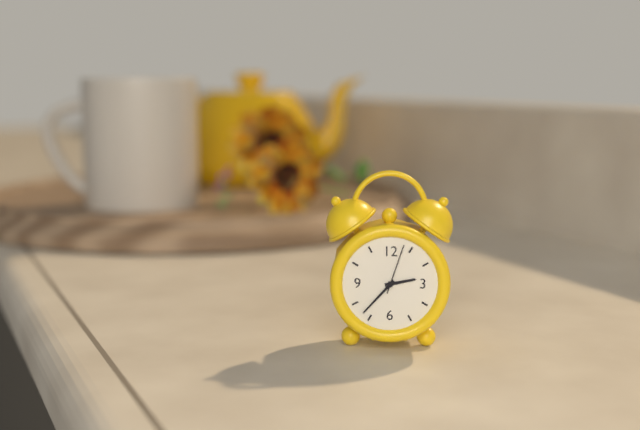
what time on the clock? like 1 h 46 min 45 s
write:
2 h 37 min 03 s
